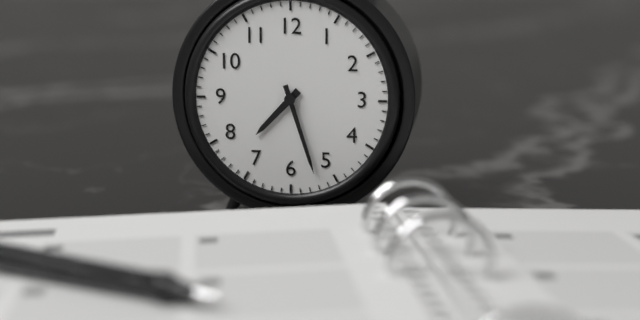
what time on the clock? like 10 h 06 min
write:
7 h 27 min
